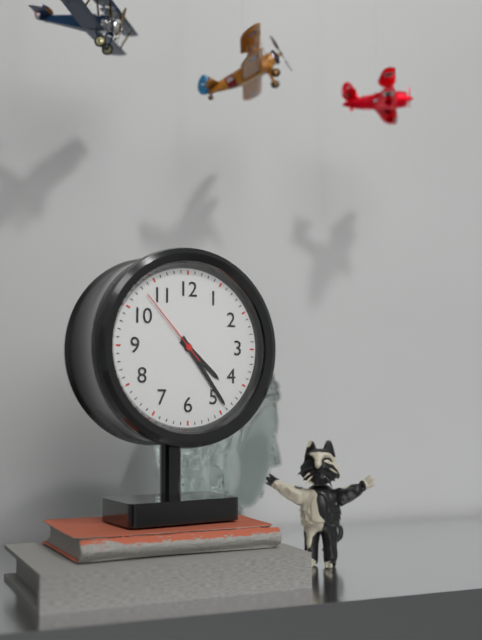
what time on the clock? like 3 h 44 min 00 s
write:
4 h 24 min 53 s
